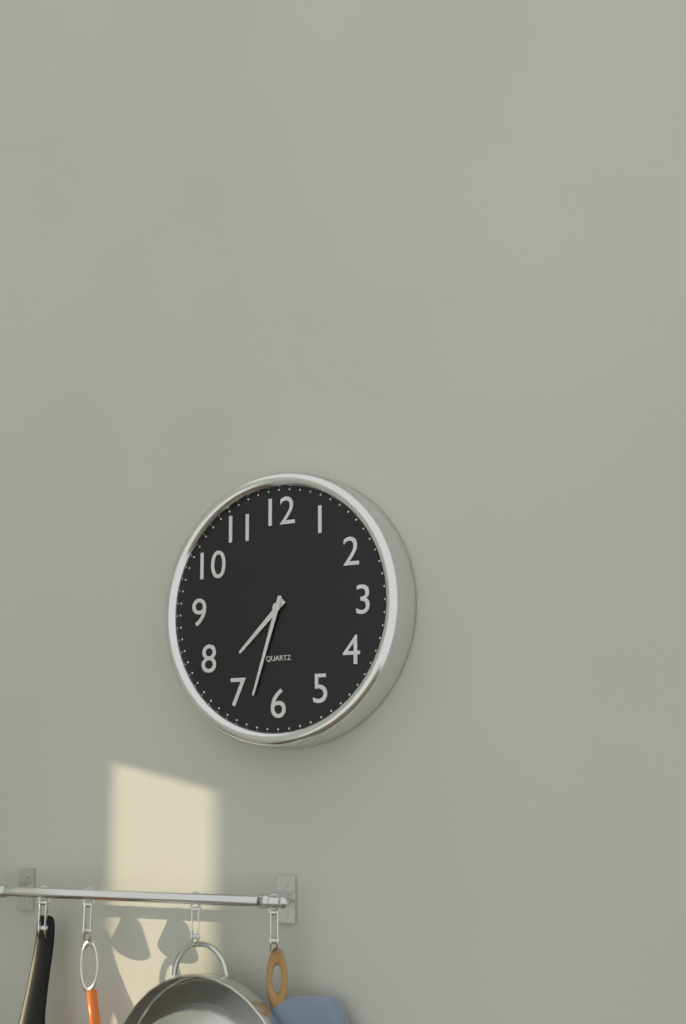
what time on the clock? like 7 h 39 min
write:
7 h 33 min
